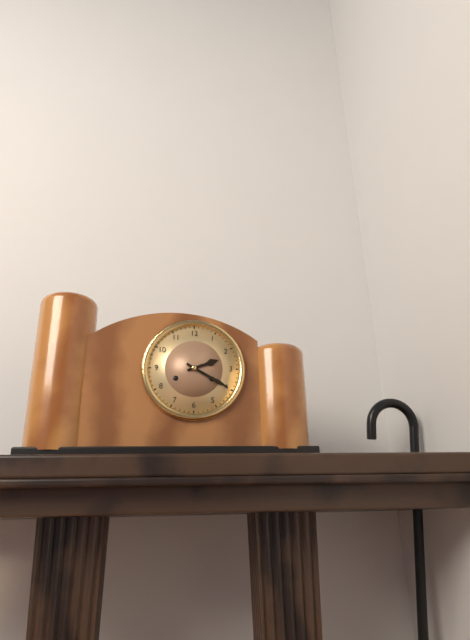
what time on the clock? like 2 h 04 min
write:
2 h 20 min
